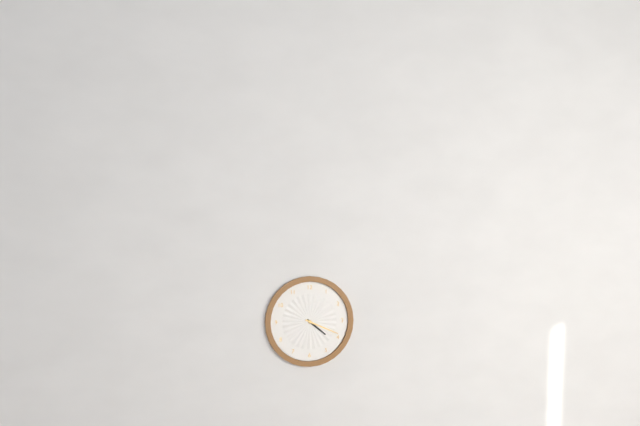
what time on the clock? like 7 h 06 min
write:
4 h 19 min
